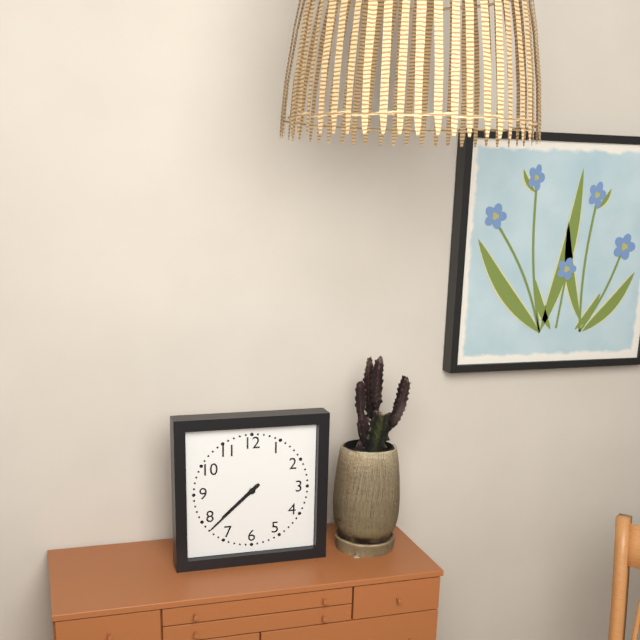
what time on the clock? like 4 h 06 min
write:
7 h 38 min
